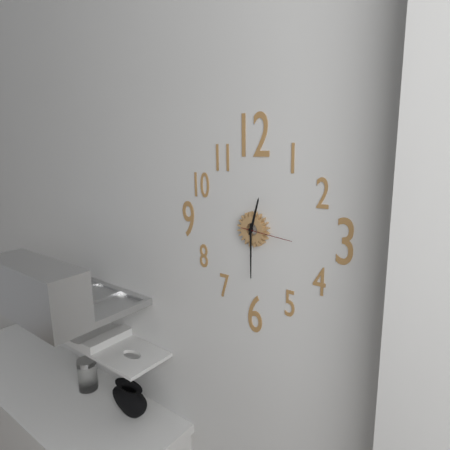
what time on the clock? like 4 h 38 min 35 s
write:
12 h 30 min 16 s
